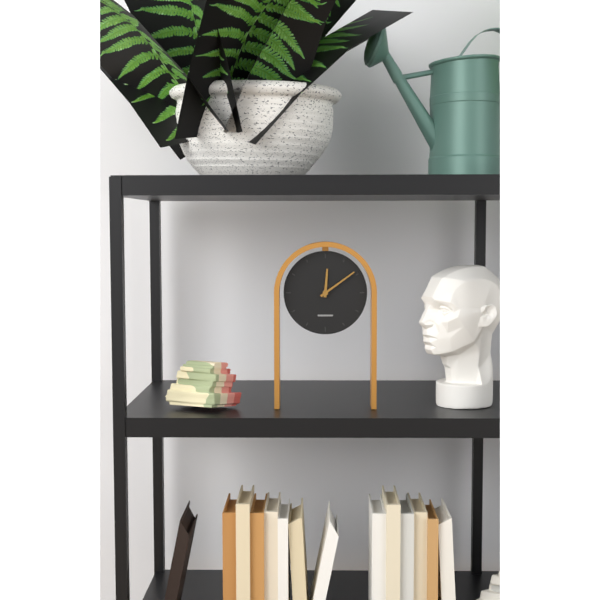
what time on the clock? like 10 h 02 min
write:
12 h 09 min
